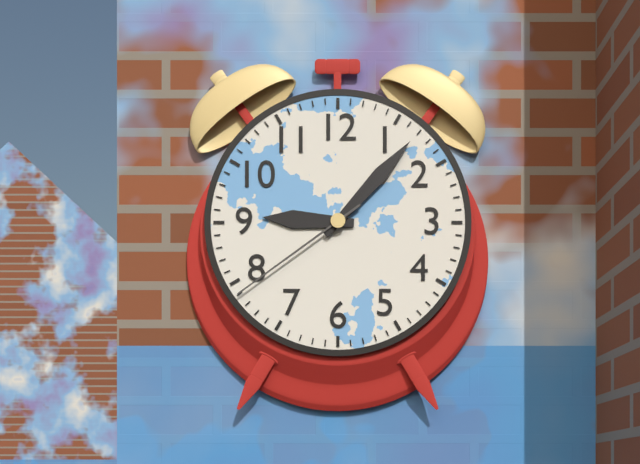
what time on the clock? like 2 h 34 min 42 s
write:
9 h 07 min 39 s
